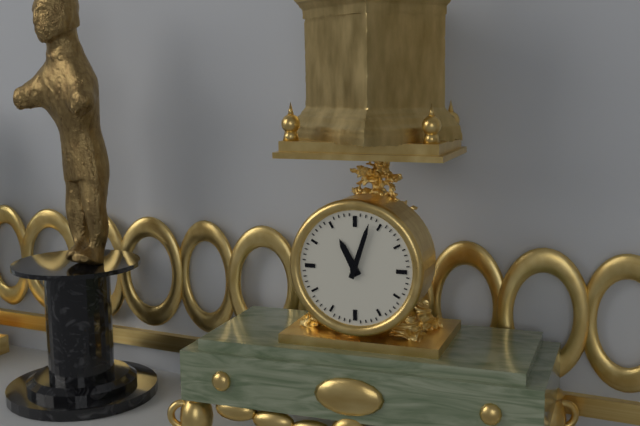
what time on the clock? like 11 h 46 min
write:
11 h 03 min
